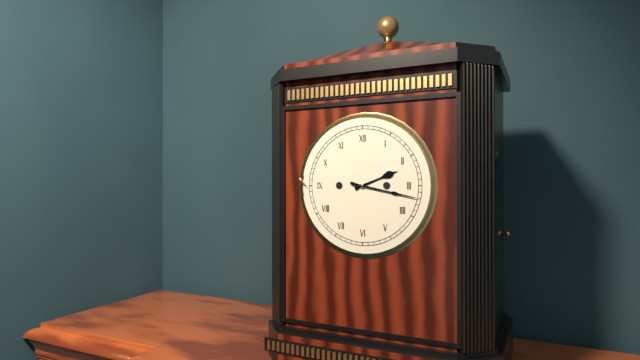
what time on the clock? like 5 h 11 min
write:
2 h 17 min
